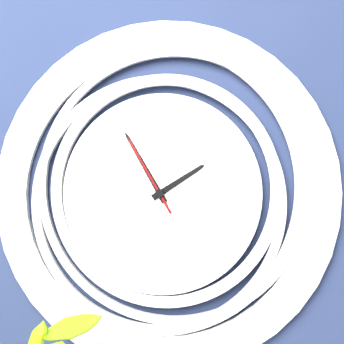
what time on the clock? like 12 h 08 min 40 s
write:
1 h 55 min 55 s
